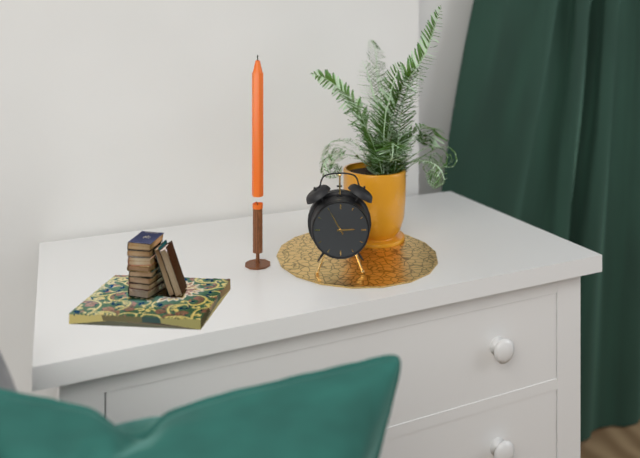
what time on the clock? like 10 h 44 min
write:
2 h 55 min
